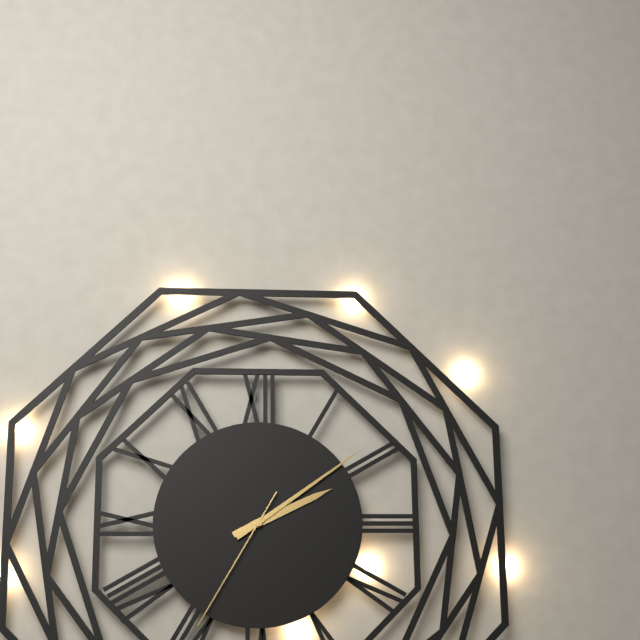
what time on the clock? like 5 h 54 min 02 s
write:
2 h 09 min 35 s
